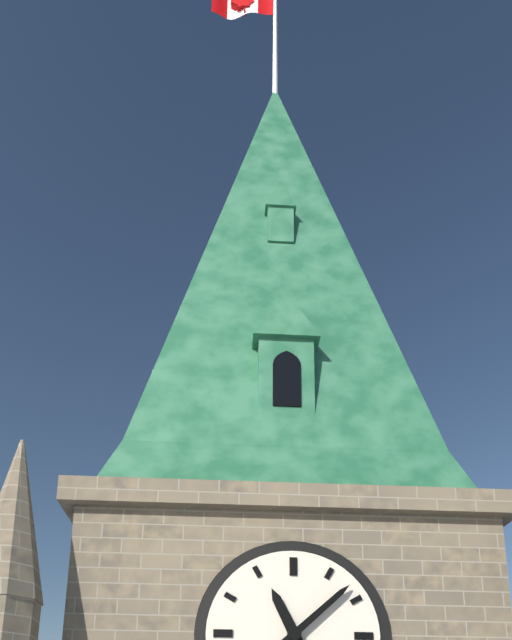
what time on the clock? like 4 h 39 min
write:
11 h 08 min
